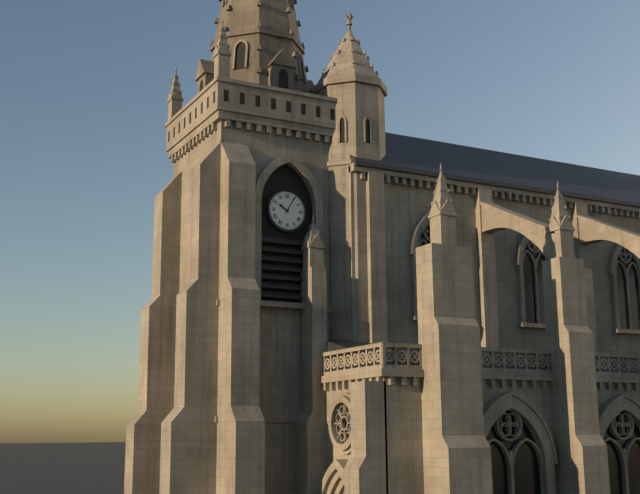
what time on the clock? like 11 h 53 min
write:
10 h 05 min
